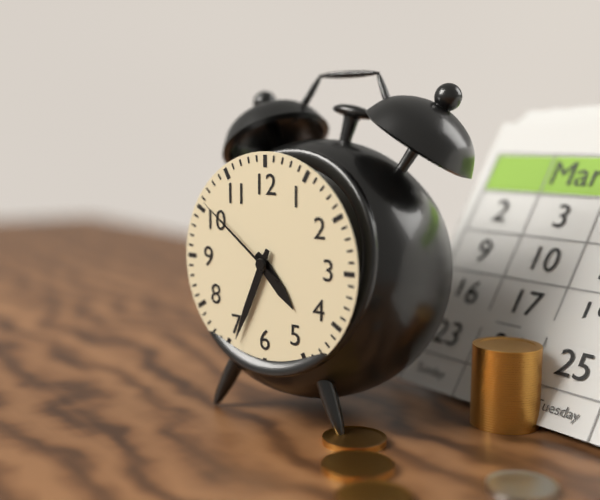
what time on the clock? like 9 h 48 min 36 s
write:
4 h 34 min 51 s
